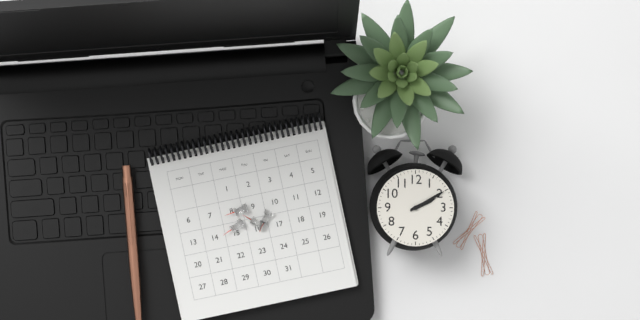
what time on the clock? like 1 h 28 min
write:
2 h 10 min
